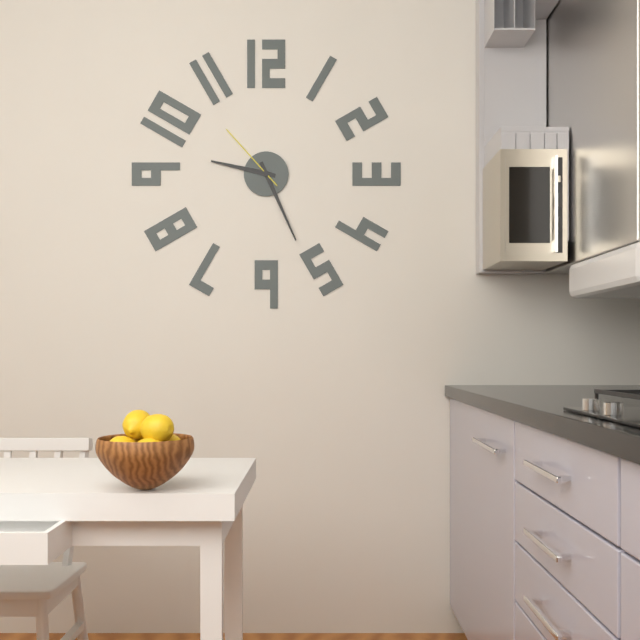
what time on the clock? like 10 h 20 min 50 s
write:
9 h 26 min 53 s
